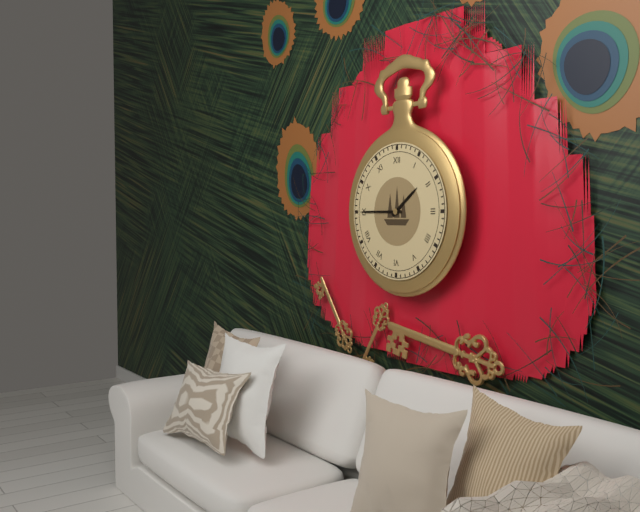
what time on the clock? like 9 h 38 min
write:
1 h 45 min
